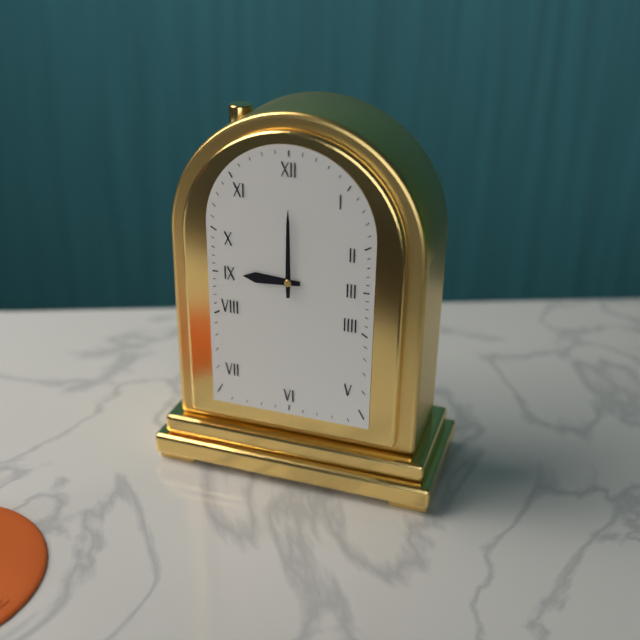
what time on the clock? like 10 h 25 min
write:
9 h 00 min
